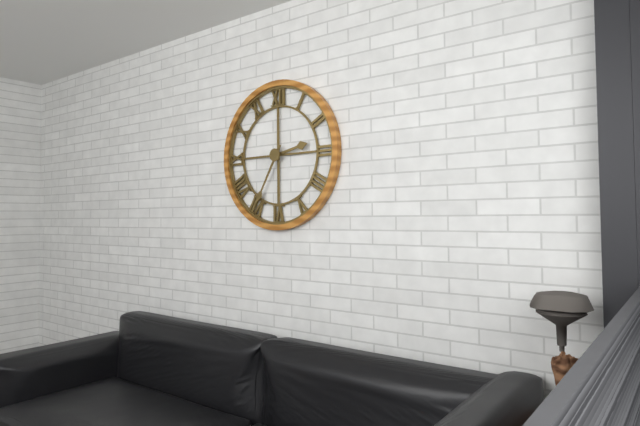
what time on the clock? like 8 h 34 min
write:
2 h 35 min
